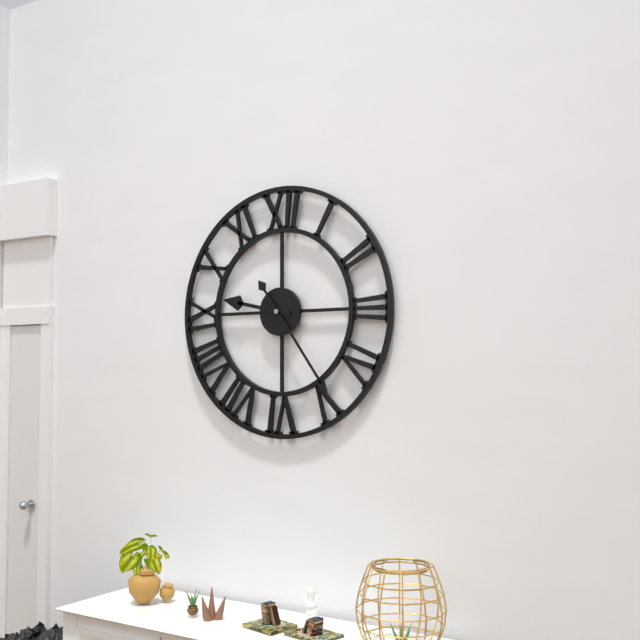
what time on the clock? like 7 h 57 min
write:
9 h 24 min
